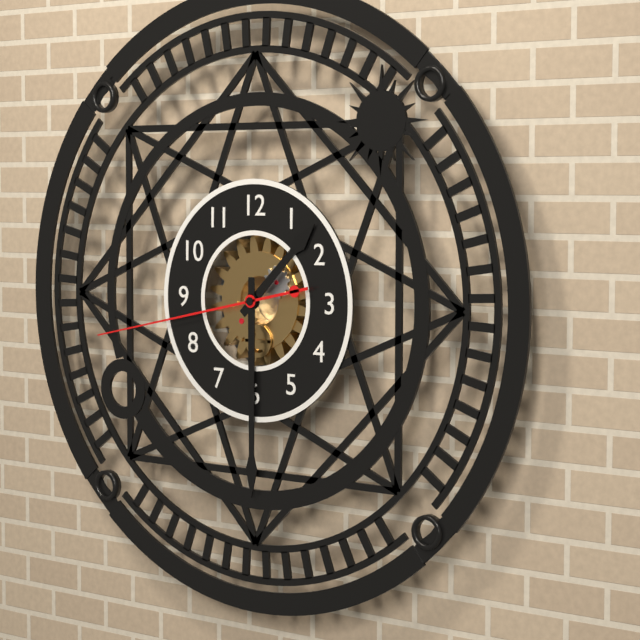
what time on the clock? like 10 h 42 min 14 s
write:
1 h 30 min 43 s
